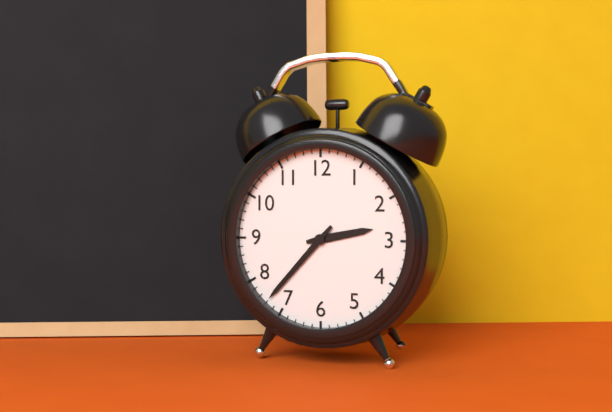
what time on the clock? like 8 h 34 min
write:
2 h 37 min
